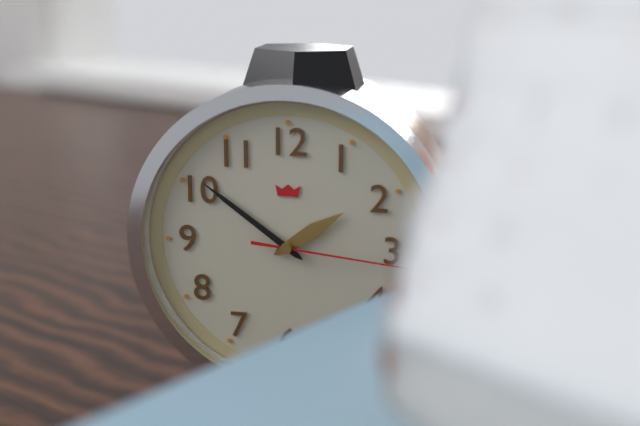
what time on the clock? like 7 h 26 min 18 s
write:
1 h 51 min 16 s
